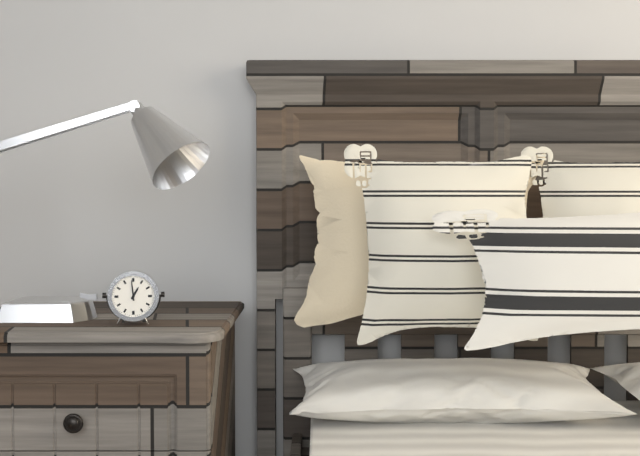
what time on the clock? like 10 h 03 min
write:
12 h 59 min
